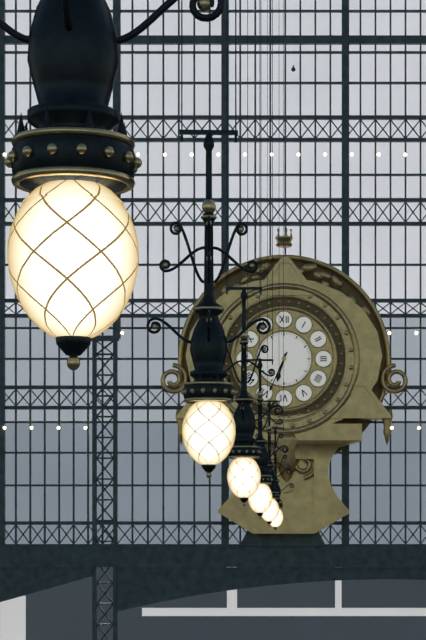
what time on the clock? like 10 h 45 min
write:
6 h 34 min
